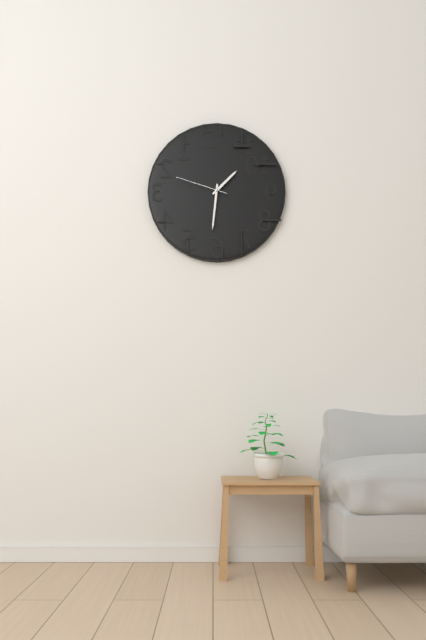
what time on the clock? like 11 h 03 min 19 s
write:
1 h 31 min 48 s
